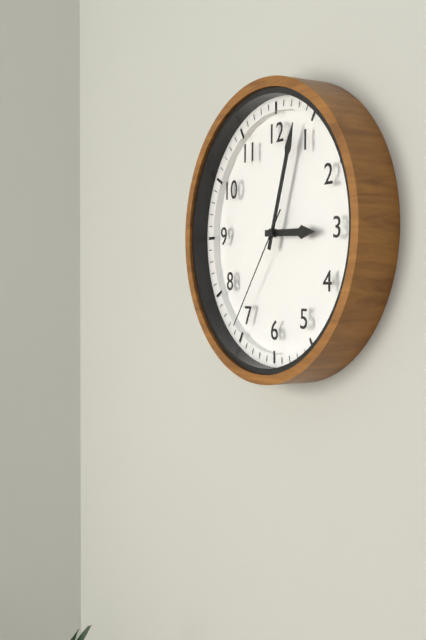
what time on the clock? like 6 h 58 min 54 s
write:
3 h 03 min 36 s
